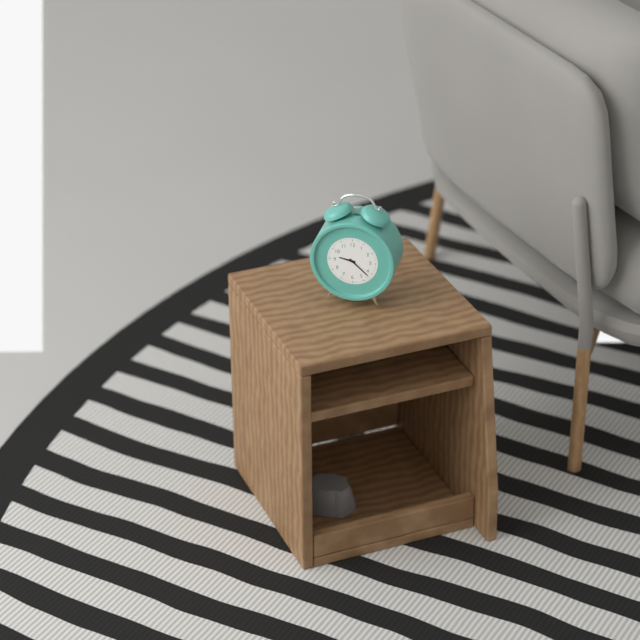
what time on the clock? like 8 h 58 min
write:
9 h 22 min
